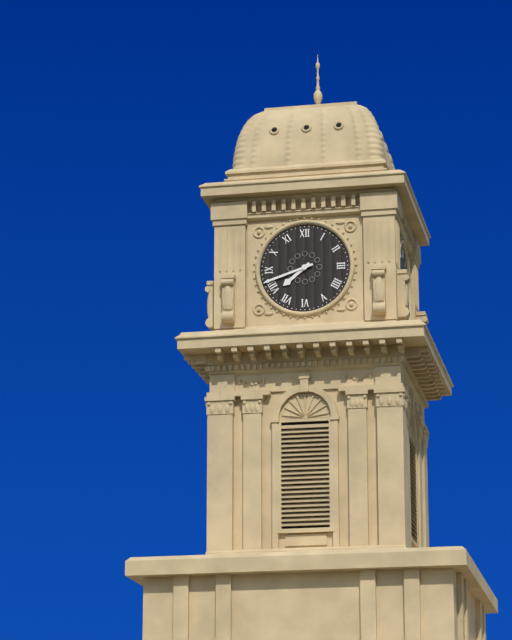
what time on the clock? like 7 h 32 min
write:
7 h 42 min
